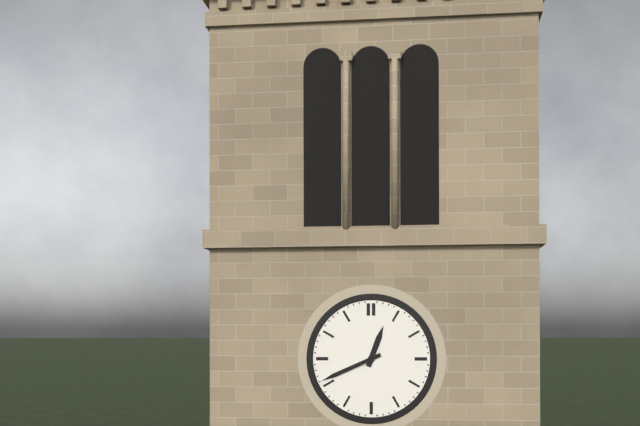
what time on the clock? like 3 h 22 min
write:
12 h 41 min
